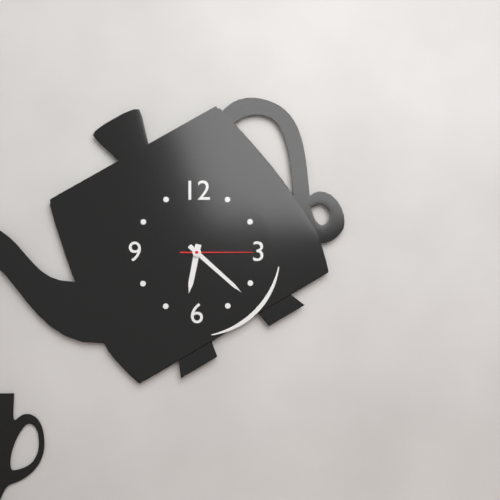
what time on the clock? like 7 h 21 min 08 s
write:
6 h 22 min 15 s
